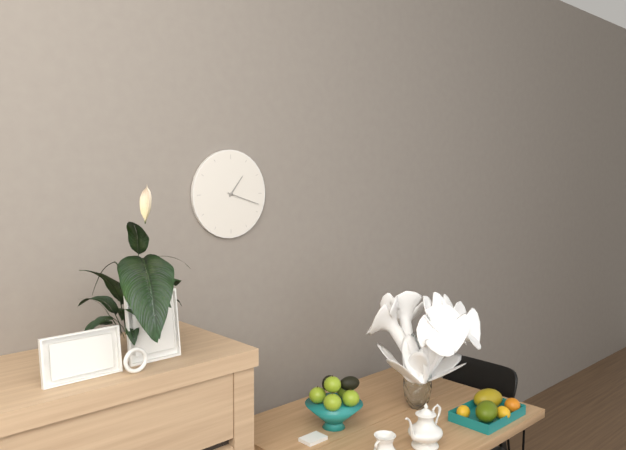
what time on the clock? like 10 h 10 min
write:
1 h 18 min
